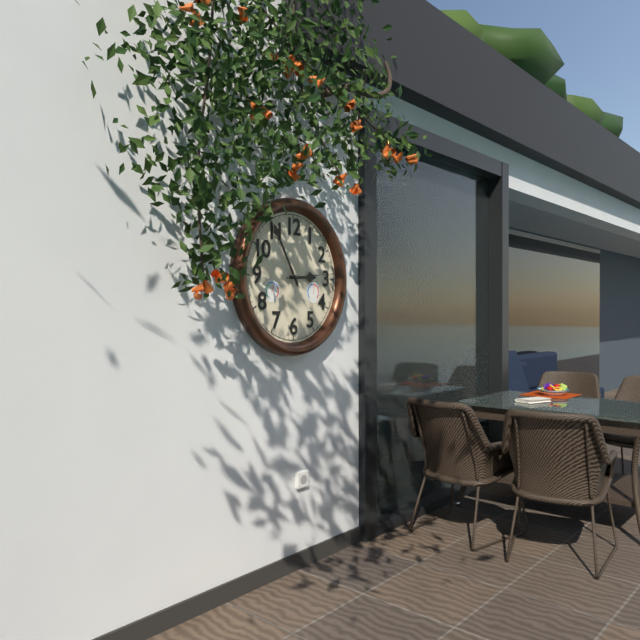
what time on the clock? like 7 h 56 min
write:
2 h 55 min
